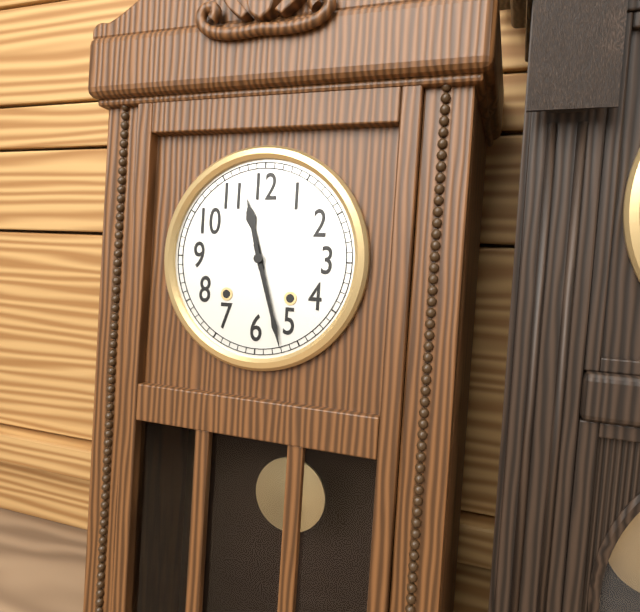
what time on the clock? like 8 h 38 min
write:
11 h 27 min
